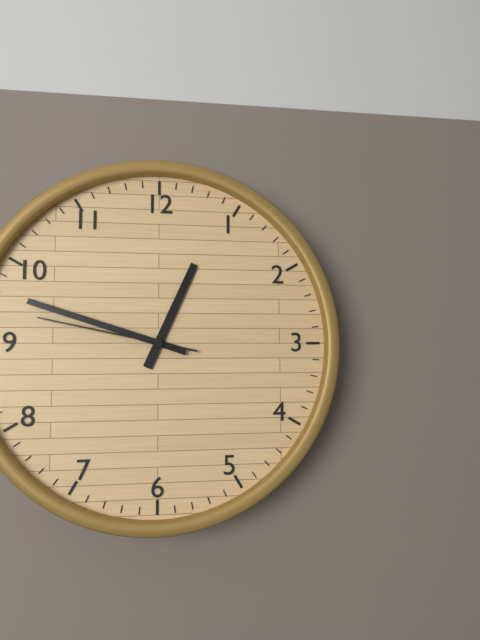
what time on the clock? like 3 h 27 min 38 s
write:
12 h 48 min 47 s
